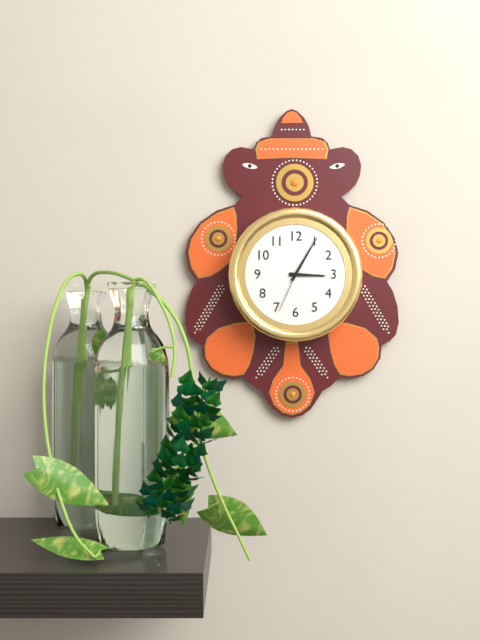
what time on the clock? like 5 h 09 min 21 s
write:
3 h 05 min 34 s
